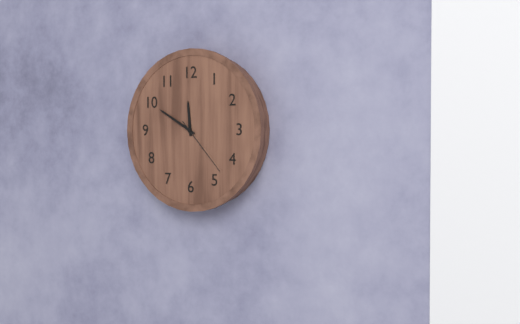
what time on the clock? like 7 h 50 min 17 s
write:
11 h 50 min 23 s
